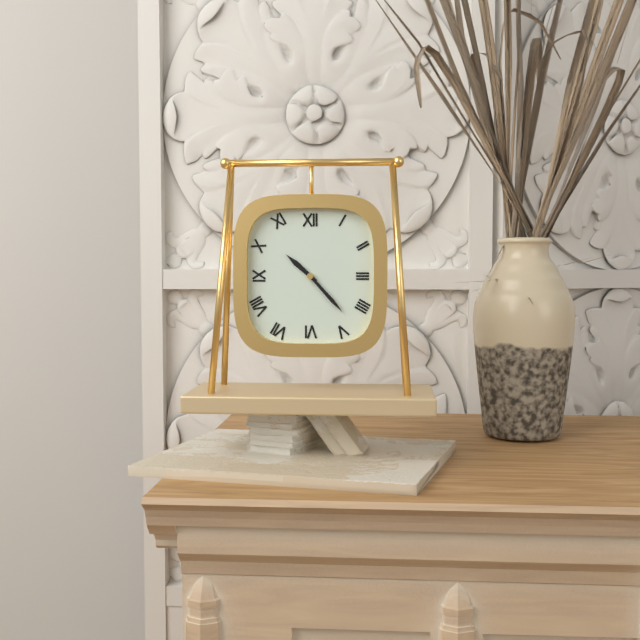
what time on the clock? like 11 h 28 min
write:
10 h 23 min
